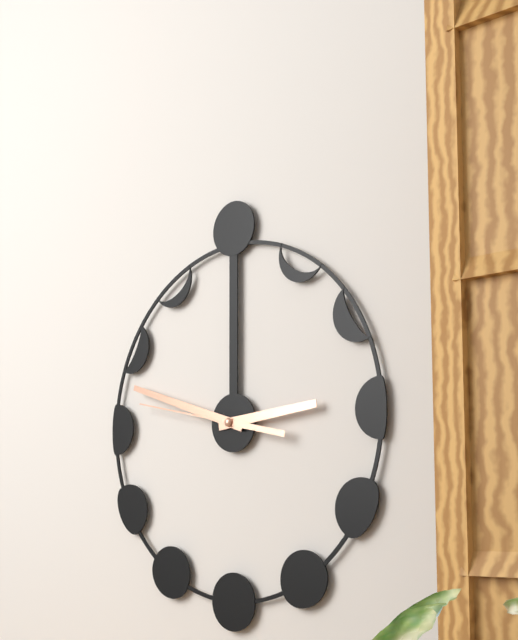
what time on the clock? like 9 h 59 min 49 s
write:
2 h 48 min 47 s
